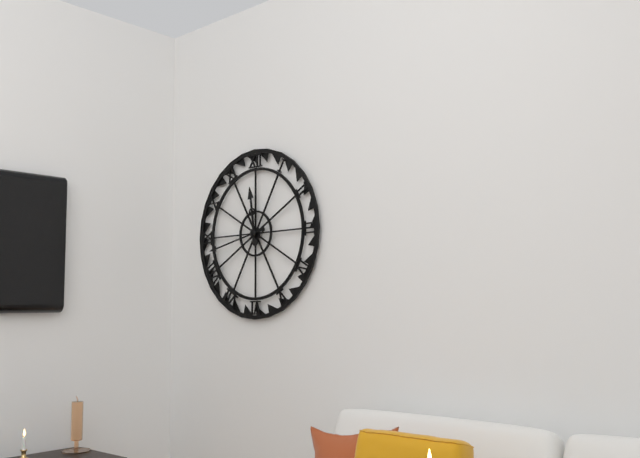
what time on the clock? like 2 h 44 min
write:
11 h 43 min
